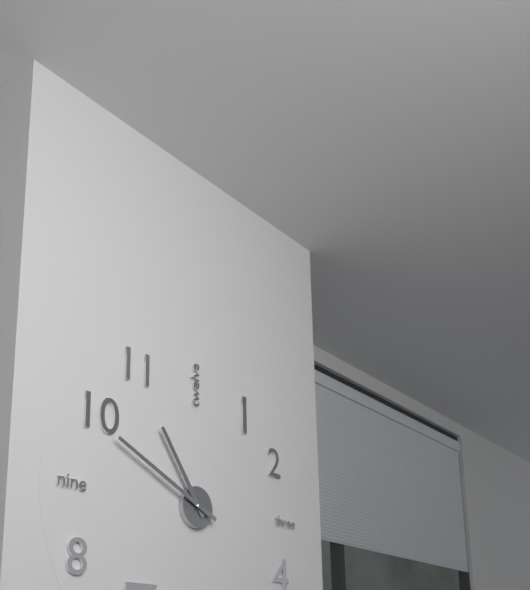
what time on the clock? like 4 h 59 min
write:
10 h 49 min
